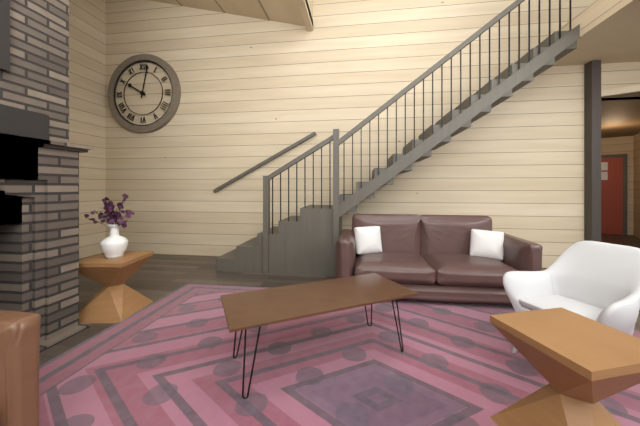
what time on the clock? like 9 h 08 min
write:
10 h 02 min
